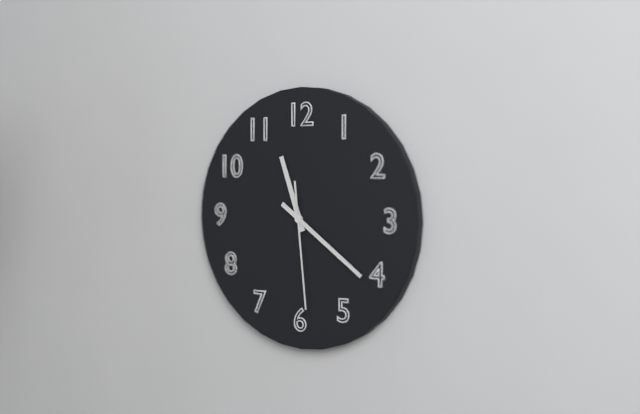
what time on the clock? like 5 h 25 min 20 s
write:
11 h 21 min 29 s
